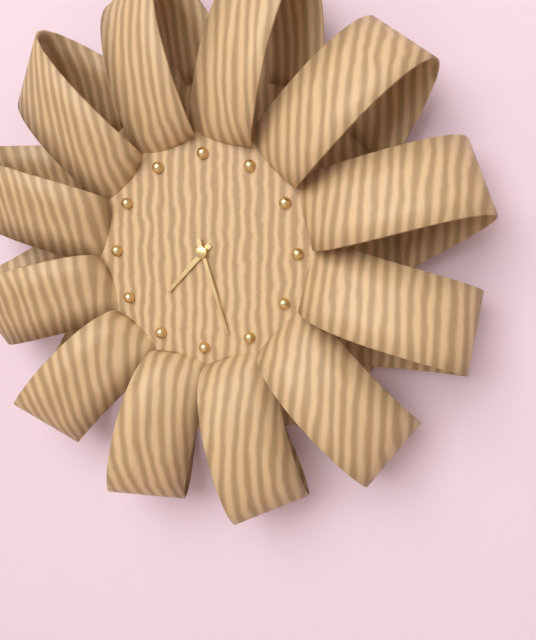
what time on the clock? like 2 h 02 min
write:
7 h 27 min
